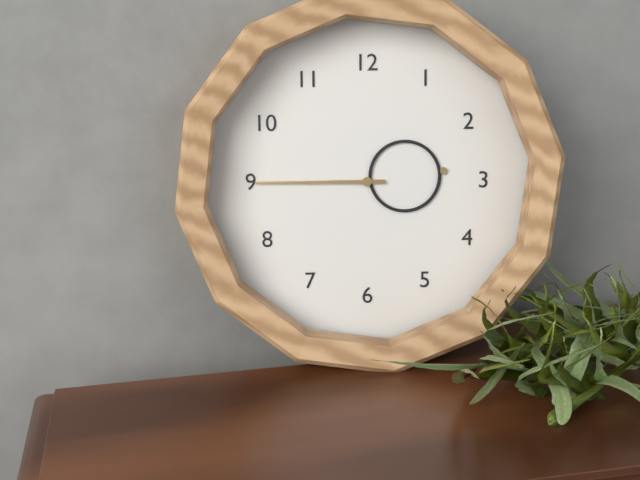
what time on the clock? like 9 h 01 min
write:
2 h 45 min
